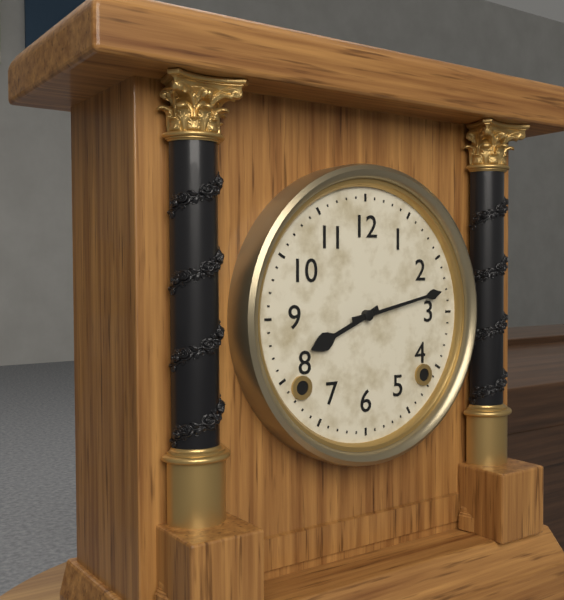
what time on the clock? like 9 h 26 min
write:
8 h 13 min
